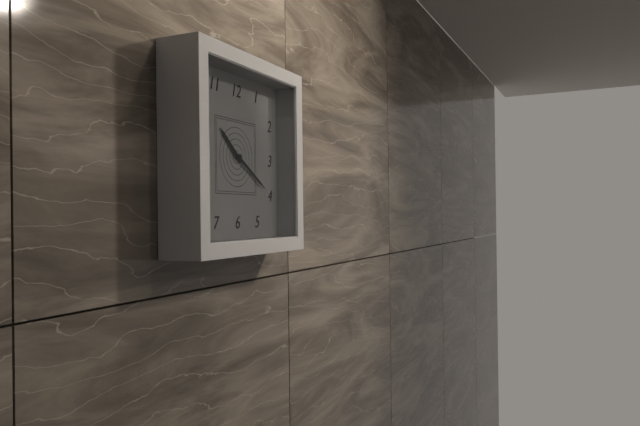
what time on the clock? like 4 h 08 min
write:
10 h 20 min
